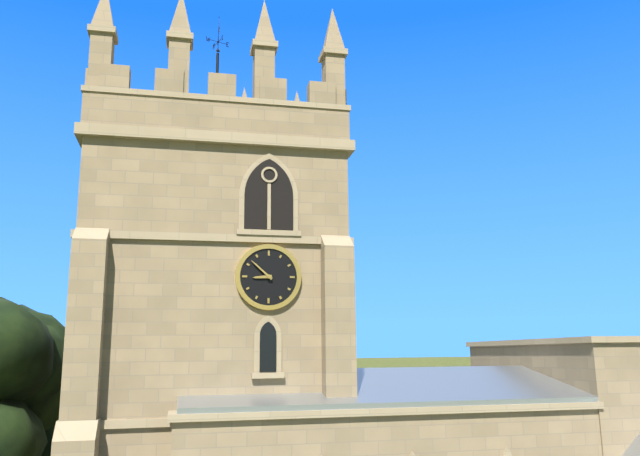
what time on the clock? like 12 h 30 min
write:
8 h 52 min
